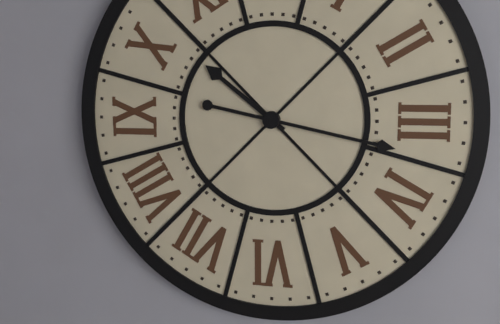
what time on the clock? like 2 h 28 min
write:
10 h 17 min
